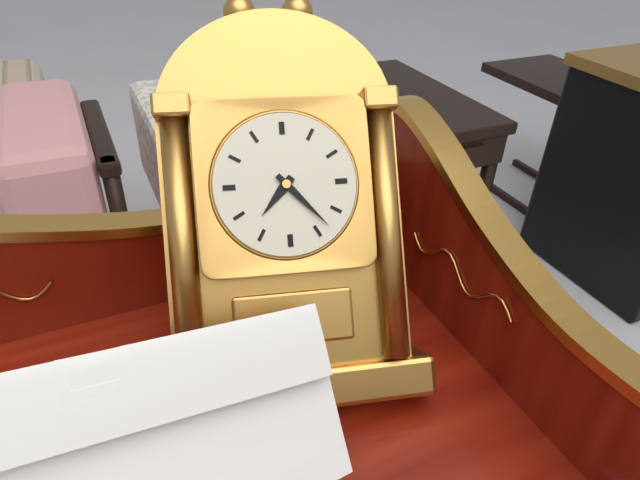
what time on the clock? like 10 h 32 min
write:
7 h 23 min
